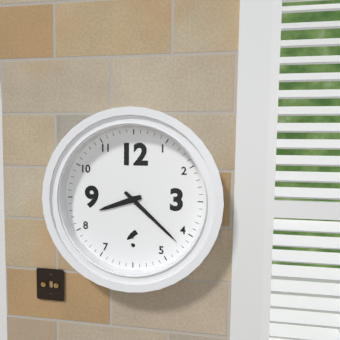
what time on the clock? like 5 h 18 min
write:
8 h 22 min
